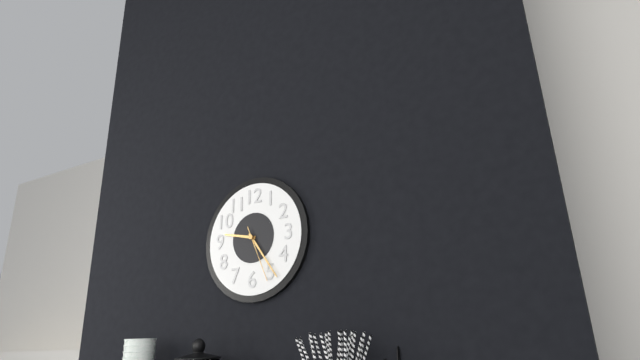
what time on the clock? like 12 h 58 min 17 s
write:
9 h 24 min 26 s
